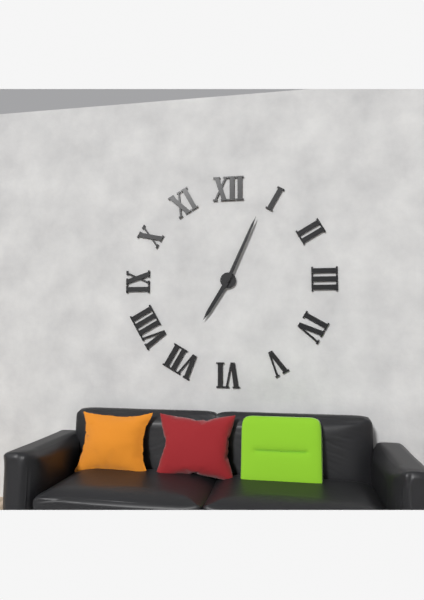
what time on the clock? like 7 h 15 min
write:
7 h 04 min
